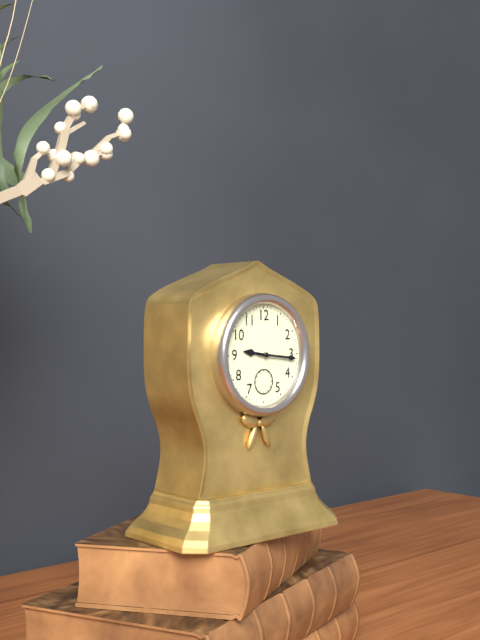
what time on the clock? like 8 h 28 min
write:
9 h 16 min
